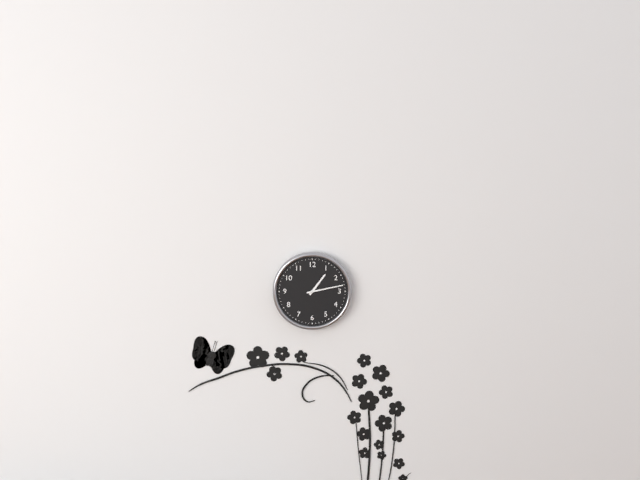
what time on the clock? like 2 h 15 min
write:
1 h 13 min
